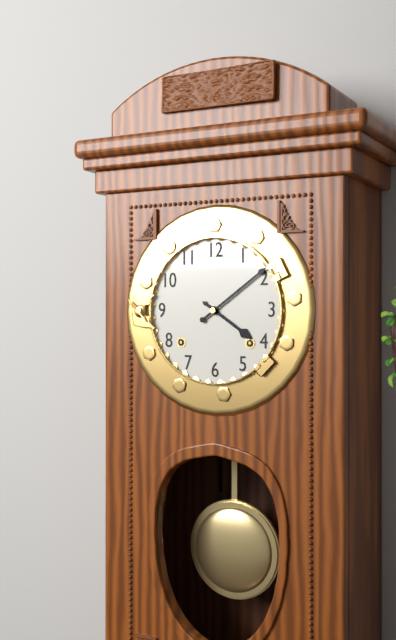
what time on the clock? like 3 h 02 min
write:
4 h 09 min
